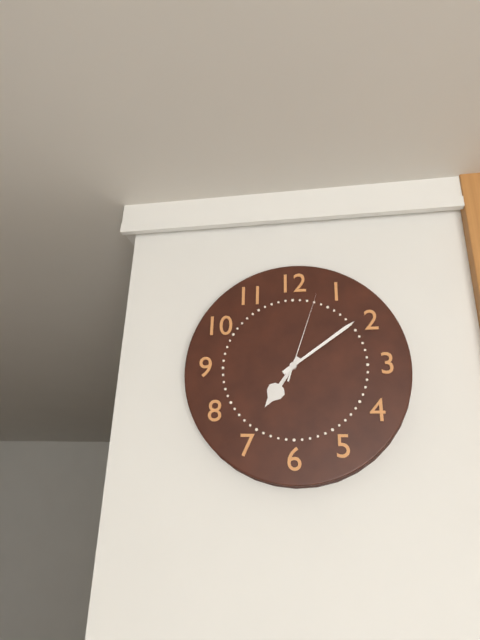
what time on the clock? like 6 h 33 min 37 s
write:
7 h 09 min 03 s
